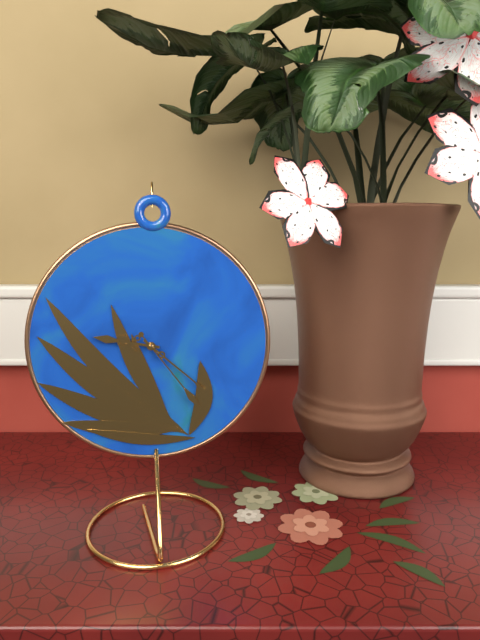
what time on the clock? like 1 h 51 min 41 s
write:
9 h 22 min 24 s
